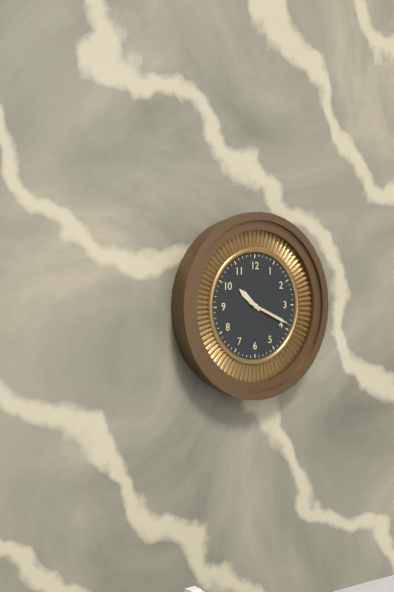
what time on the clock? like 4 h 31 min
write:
10 h 19 min
